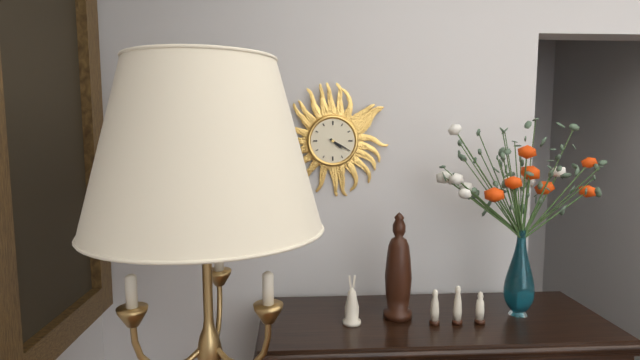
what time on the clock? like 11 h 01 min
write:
4 h 20 min
